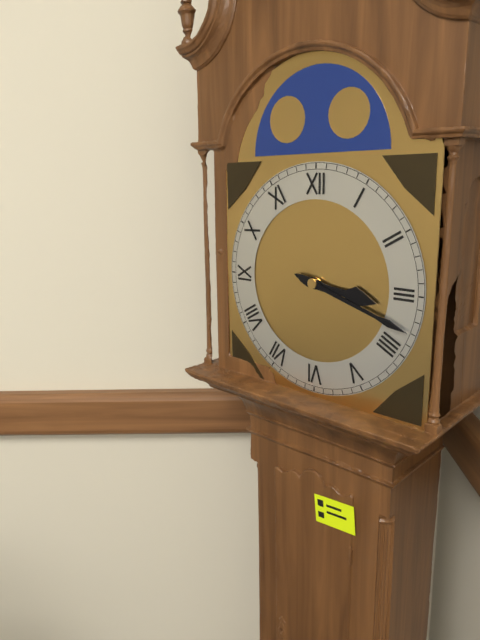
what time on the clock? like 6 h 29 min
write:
3 h 18 min
